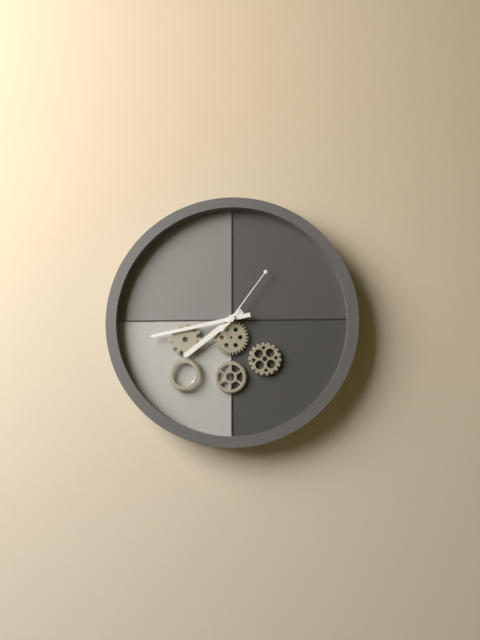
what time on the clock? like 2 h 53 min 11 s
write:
7 h 43 min 06 s
